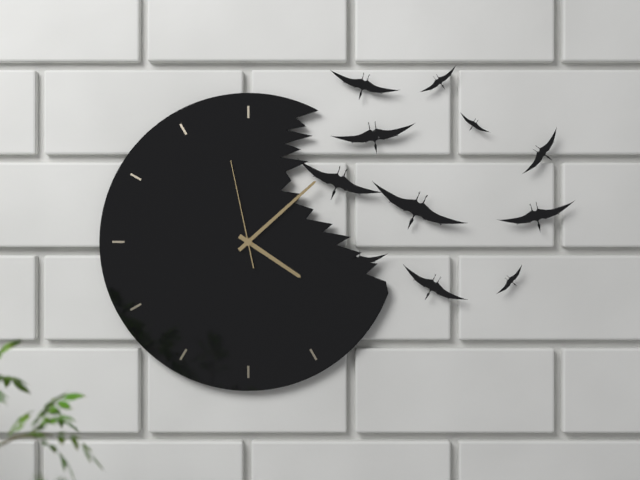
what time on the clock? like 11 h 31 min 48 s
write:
4 h 08 min 58 s
